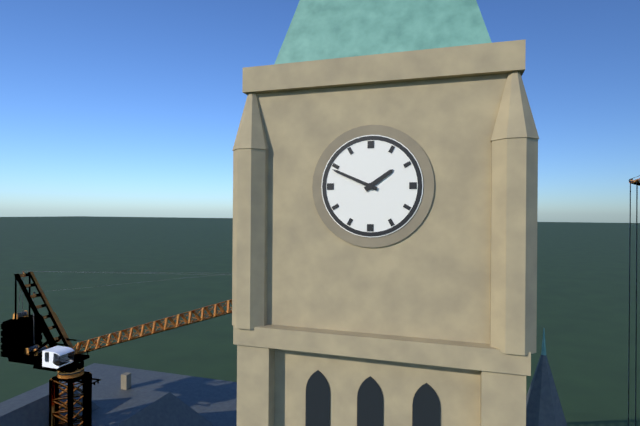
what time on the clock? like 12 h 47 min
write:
1 h 49 min
